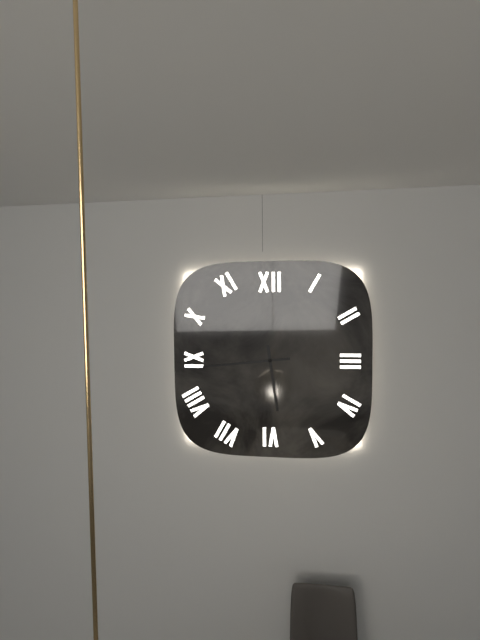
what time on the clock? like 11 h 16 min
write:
5 h 44 min
